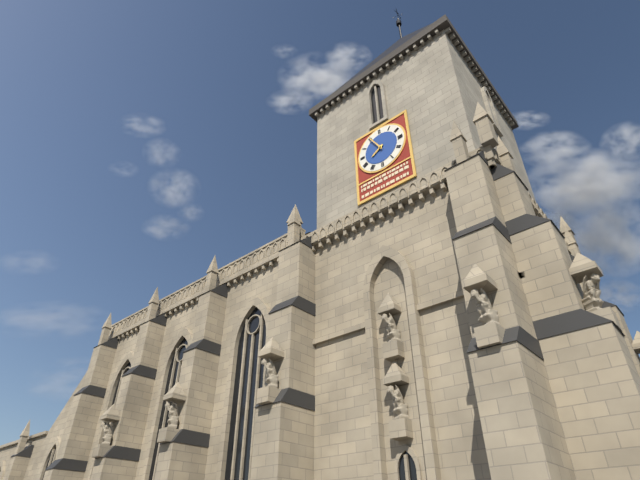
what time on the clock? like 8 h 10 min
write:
7 h 55 min
